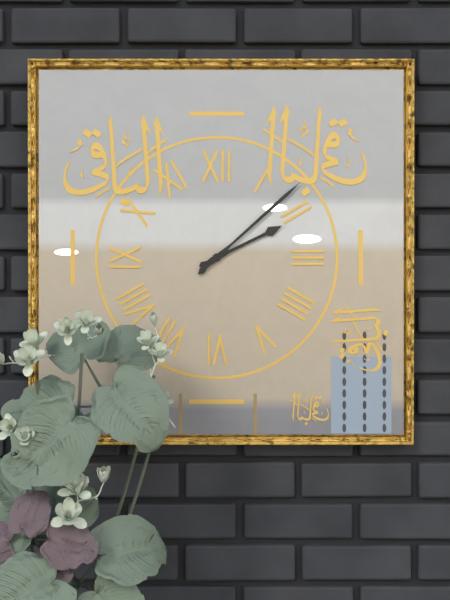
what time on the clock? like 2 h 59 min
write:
2 h 08 min
